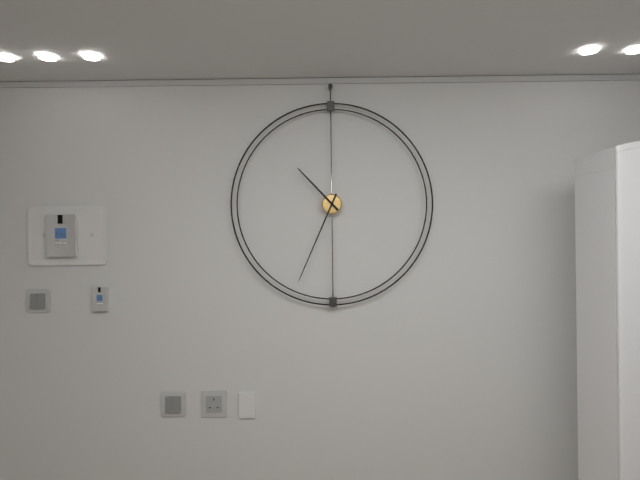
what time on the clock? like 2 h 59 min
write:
10 h 34 min
